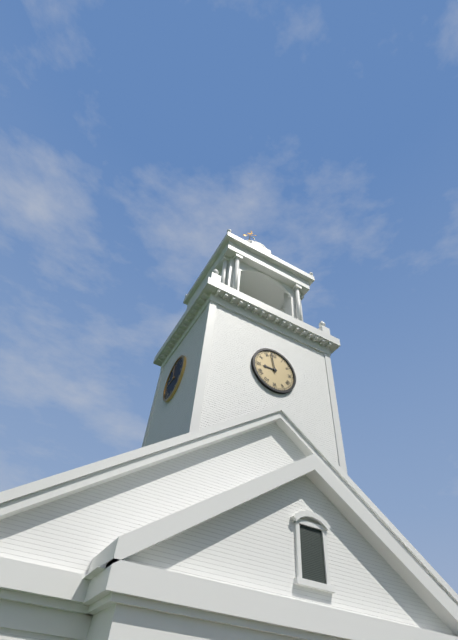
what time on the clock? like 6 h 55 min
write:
8 h 58 min
